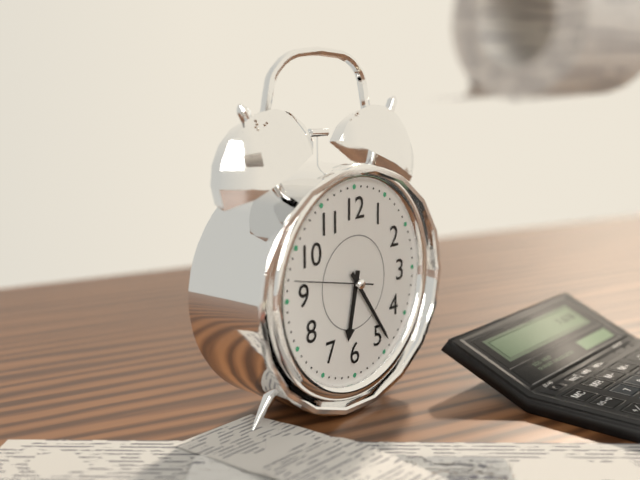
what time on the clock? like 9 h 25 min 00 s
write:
6 h 24 min 47 s
